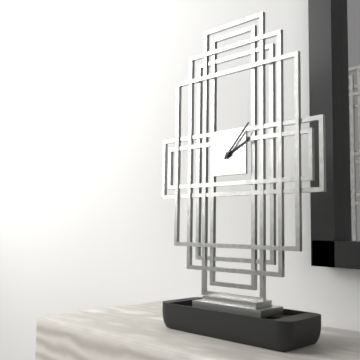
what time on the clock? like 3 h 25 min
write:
2 h 07 min
